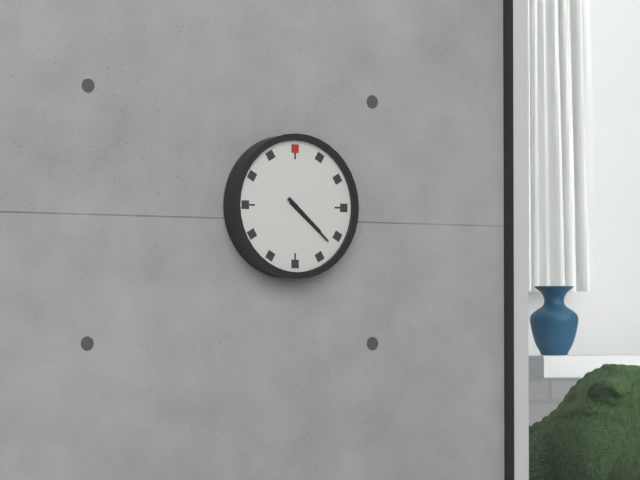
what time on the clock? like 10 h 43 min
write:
4 h 22 min
